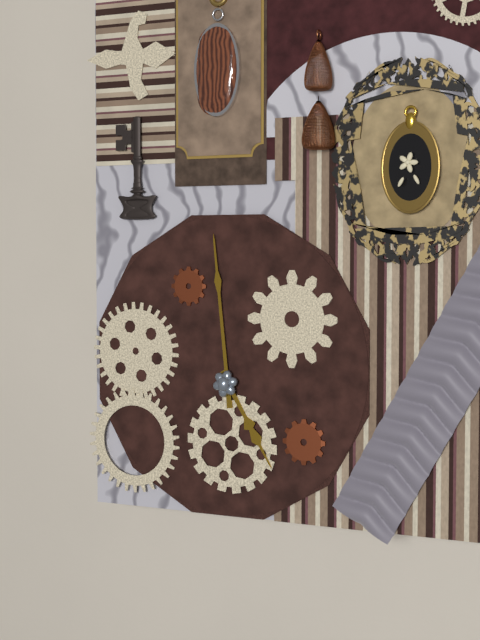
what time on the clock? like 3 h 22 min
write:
4 h 59 min
